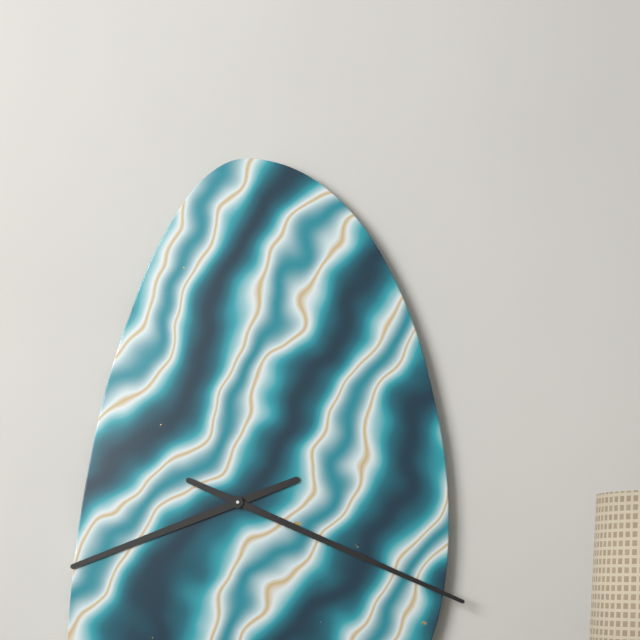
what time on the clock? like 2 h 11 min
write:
8 h 19 min
